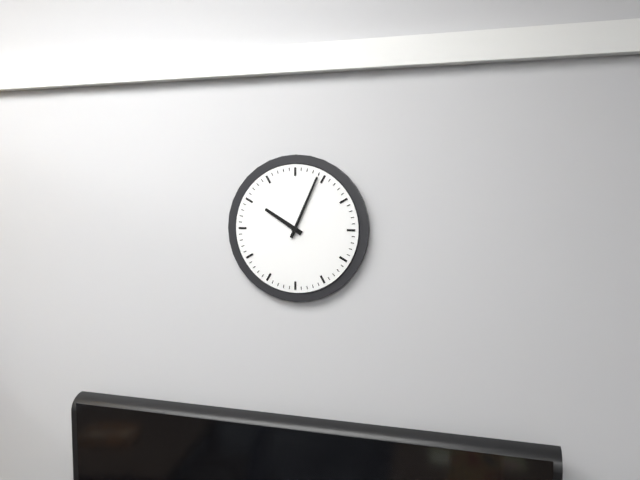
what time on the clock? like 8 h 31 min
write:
10 h 04 min
